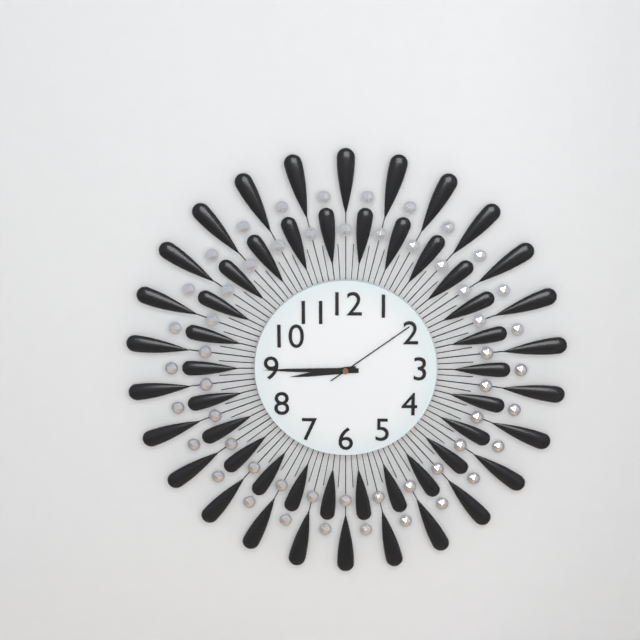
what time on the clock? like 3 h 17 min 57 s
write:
8 h 45 min 09 s
